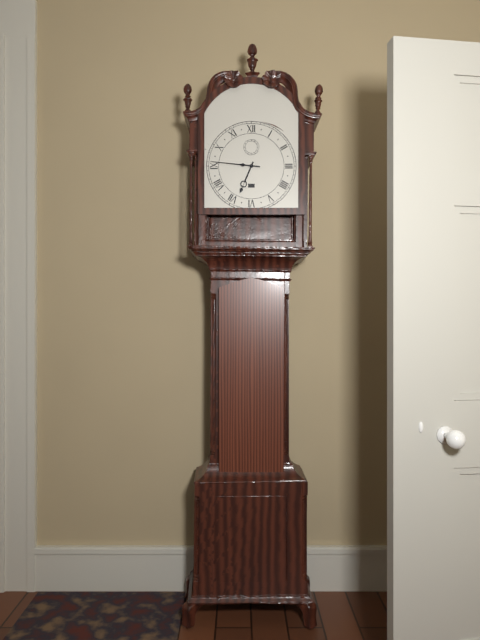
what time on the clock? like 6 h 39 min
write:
6 h 46 min
